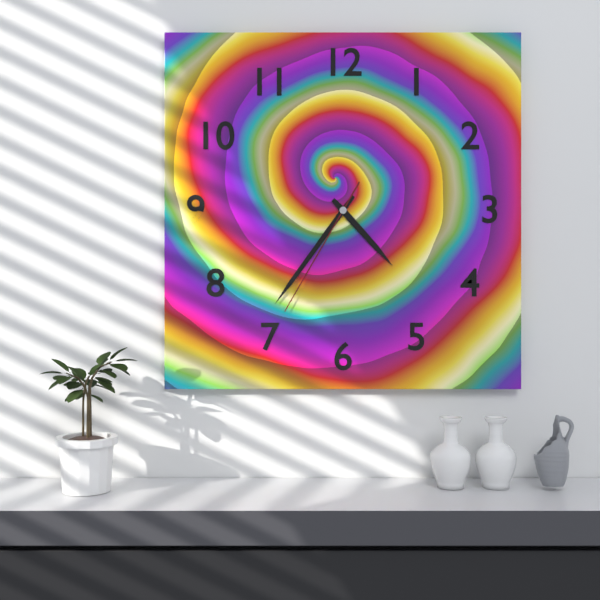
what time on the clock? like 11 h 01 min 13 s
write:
4 h 36 min 35 s
